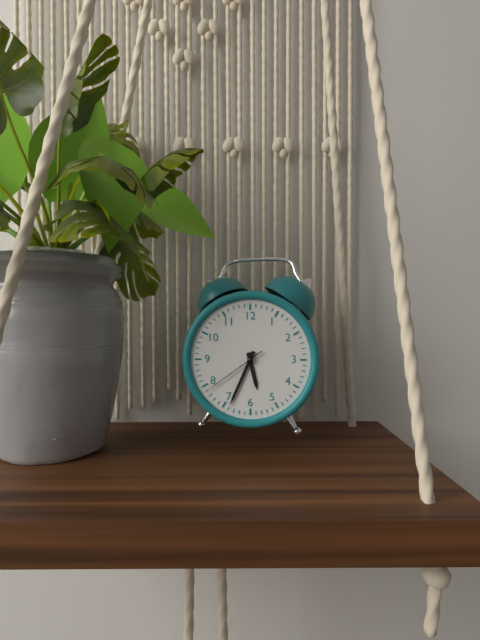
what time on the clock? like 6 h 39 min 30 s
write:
5 h 34 min 39 s
